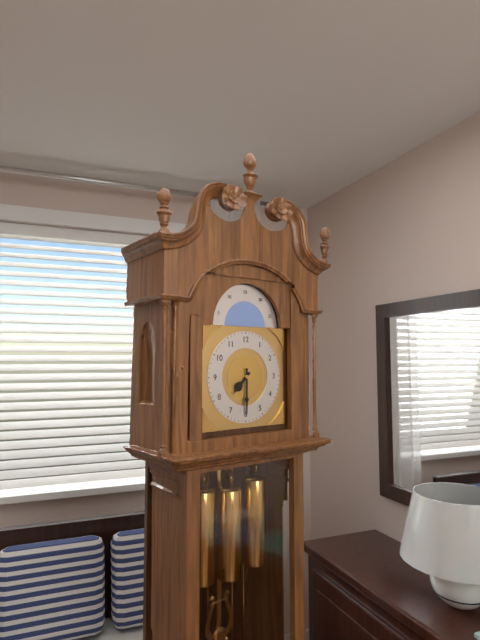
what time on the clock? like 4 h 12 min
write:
7 h 30 min
